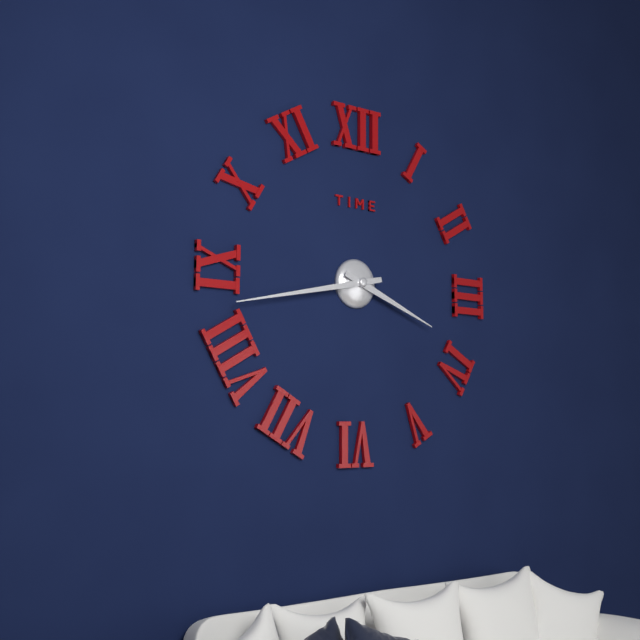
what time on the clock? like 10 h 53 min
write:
3 h 43 min
